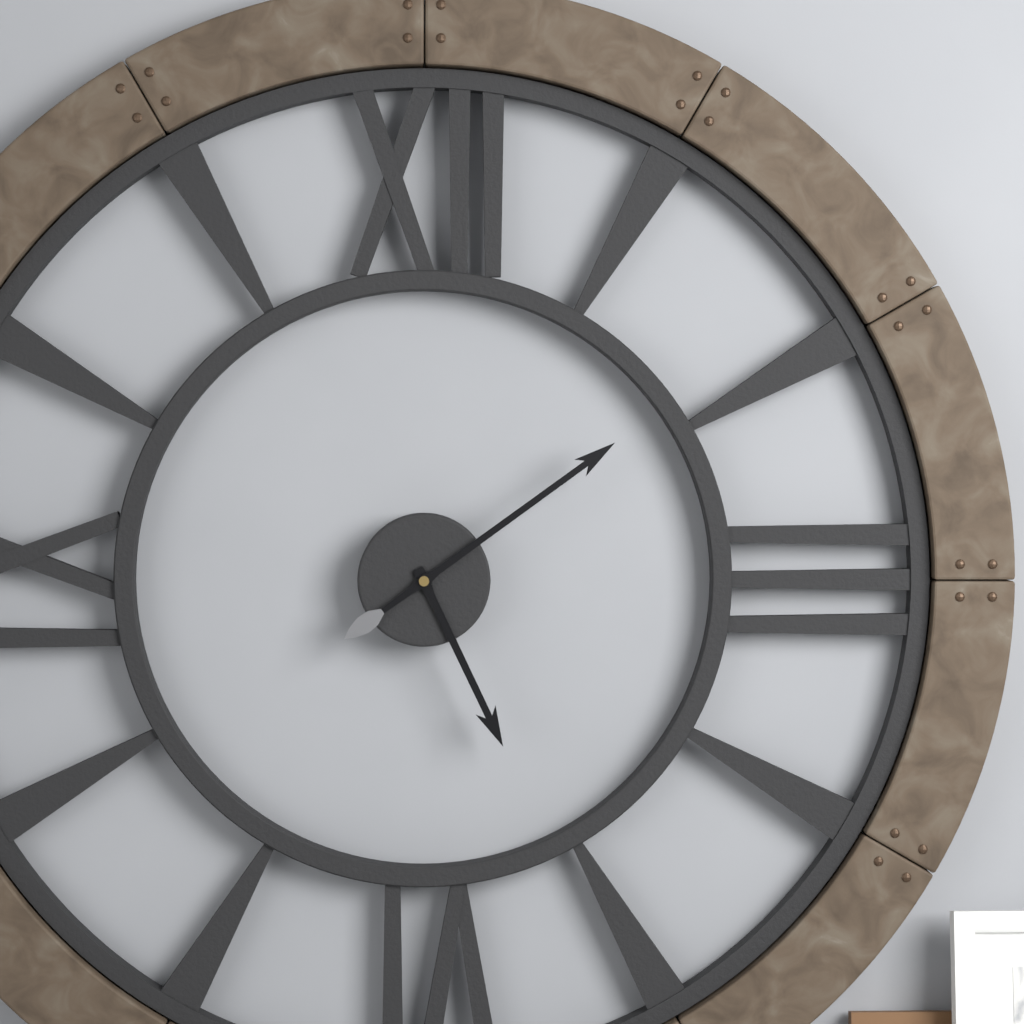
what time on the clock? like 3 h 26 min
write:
5 h 09 min
